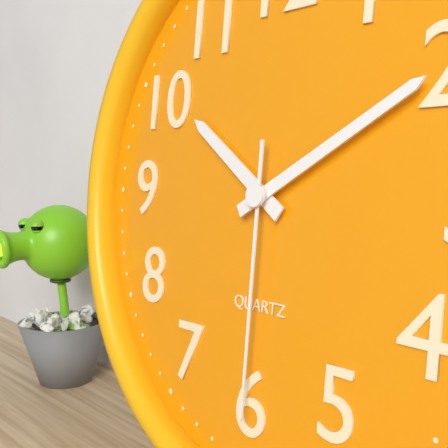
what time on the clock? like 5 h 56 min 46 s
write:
10 h 10 min 30 s
